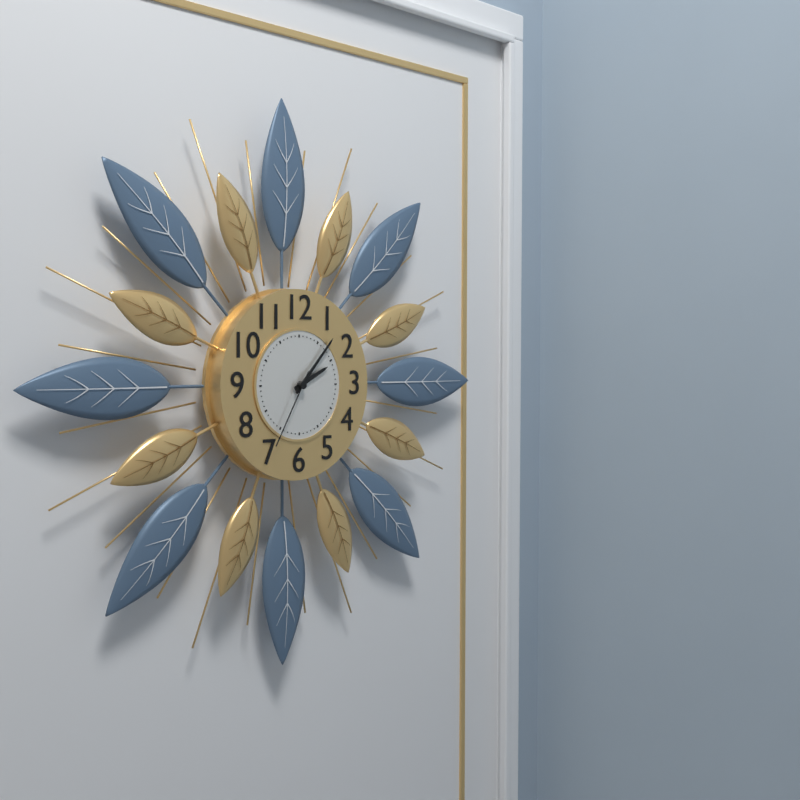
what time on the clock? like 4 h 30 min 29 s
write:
2 h 07 min 35 s
